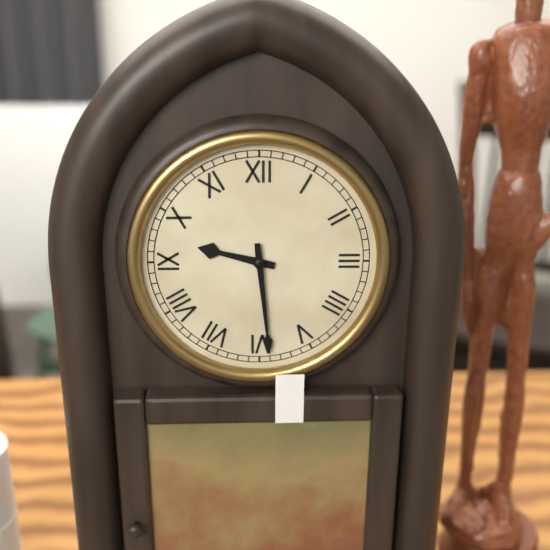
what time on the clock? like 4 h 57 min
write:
9 h 29 min
